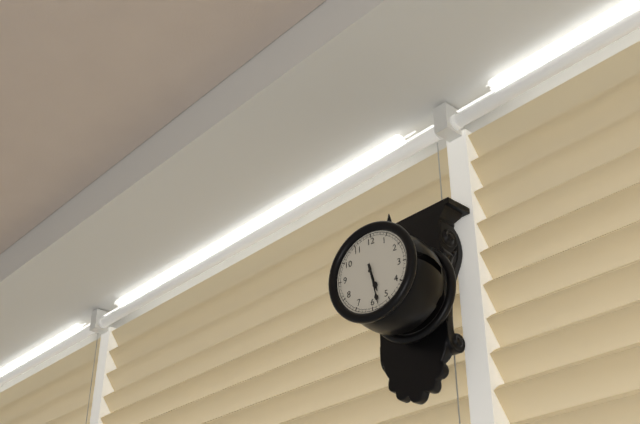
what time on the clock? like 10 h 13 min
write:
5 h 28 min
